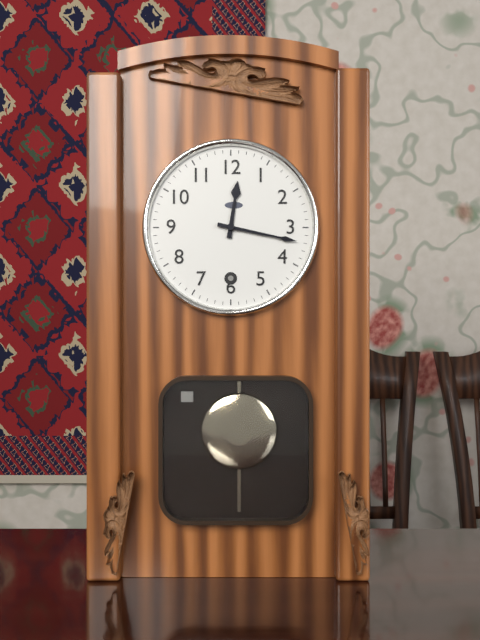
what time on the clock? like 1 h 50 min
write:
12 h 17 min
